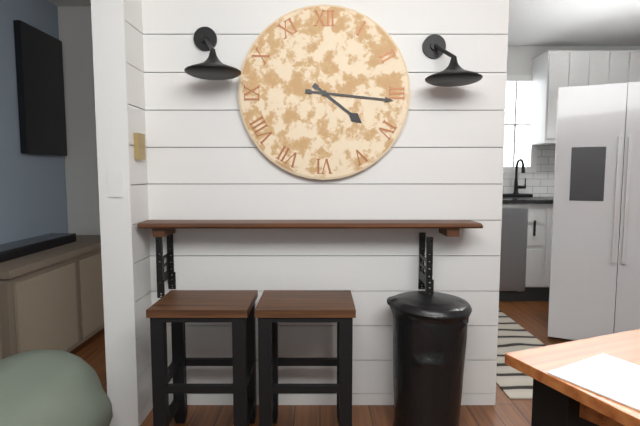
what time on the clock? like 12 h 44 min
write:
4 h 16 min
